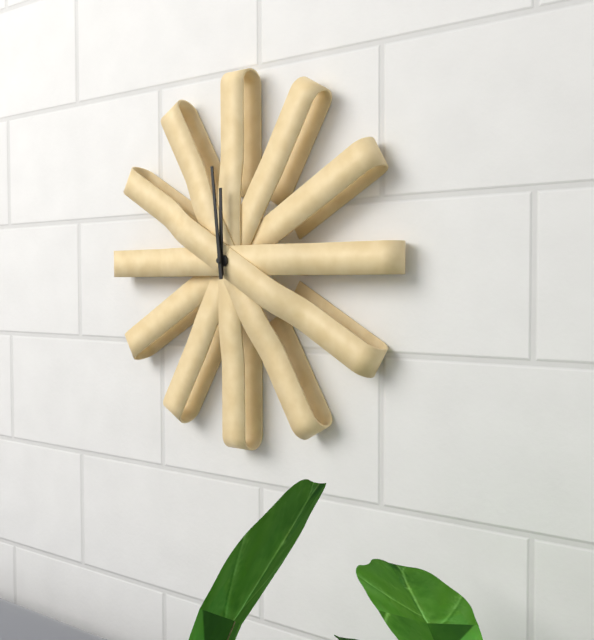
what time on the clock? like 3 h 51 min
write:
11 h 59 min
